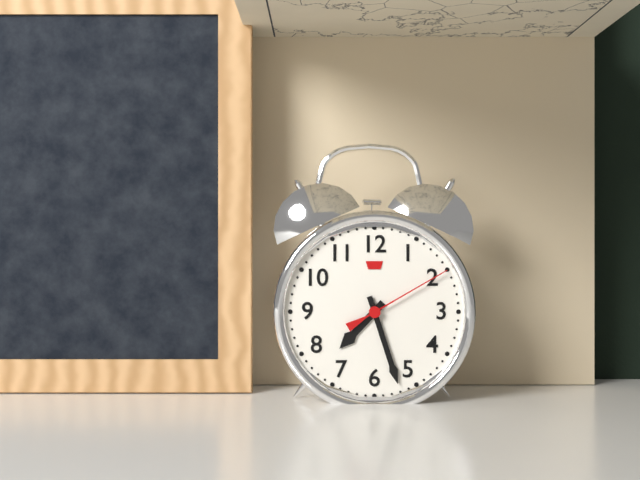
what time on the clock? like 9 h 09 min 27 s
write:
7 h 27 min 10 s
